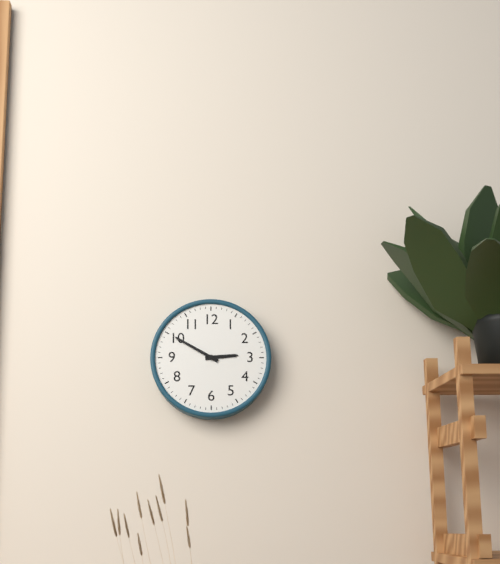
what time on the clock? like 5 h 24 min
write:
2 h 50 min
